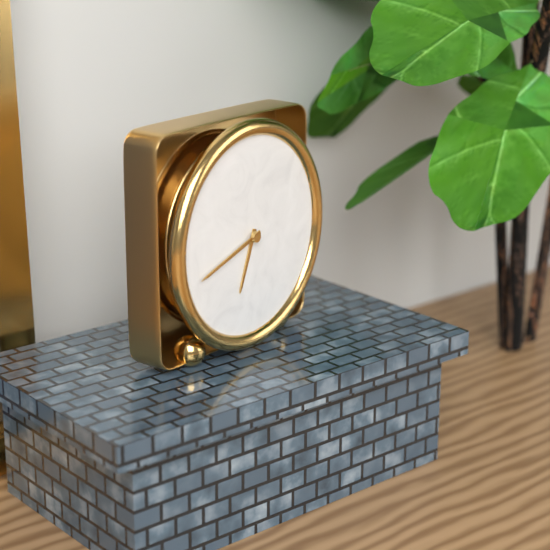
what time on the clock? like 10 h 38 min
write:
6 h 42 min
